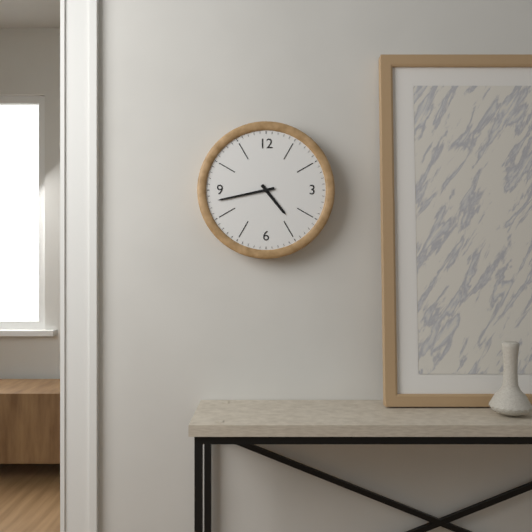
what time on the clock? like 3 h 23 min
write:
4 h 43 min
